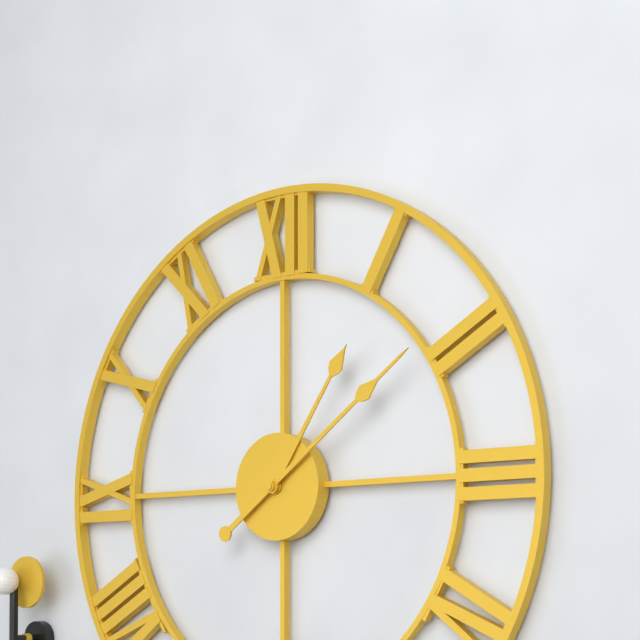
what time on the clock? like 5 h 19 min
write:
1 h 09 min
